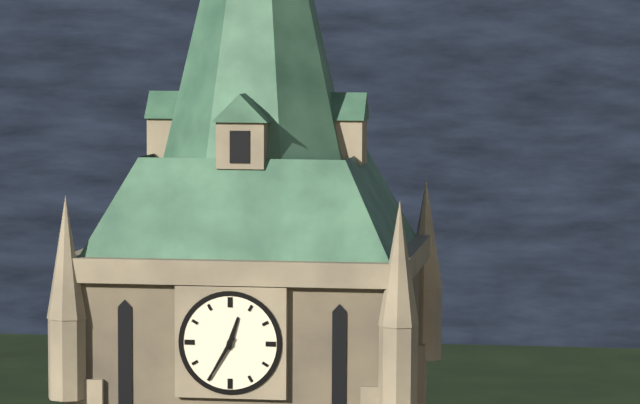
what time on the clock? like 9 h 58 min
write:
12 h 35 min
